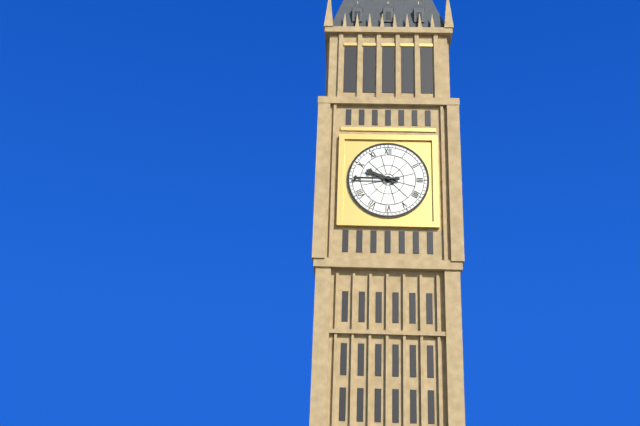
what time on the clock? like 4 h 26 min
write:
9 h 45 min
